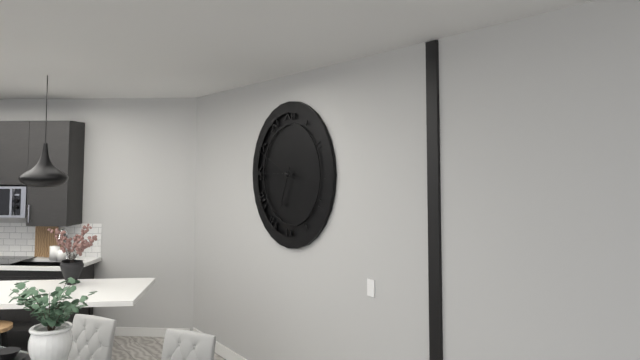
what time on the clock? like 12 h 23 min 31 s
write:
6 h 45 min 49 s
